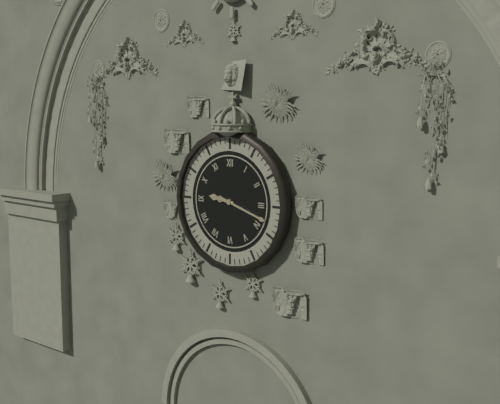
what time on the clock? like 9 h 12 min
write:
9 h 18 min
